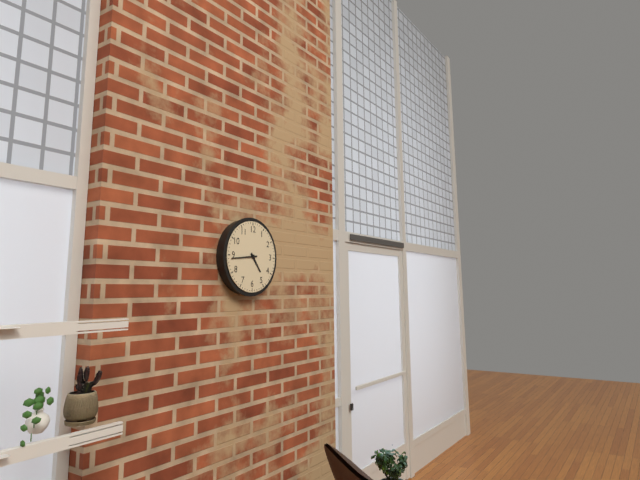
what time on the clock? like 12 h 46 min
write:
4 h 44 min
